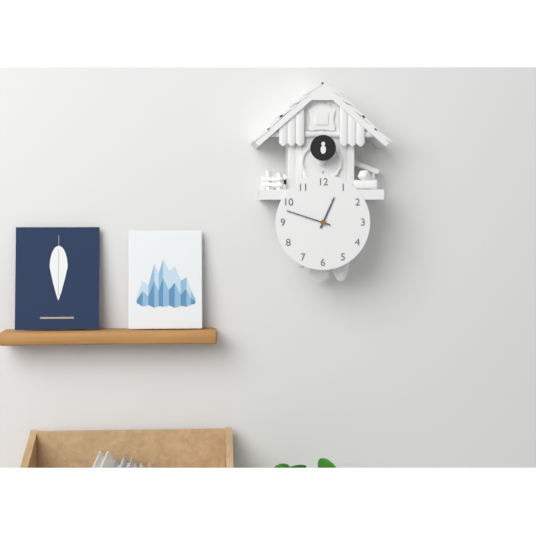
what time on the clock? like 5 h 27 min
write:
12 h 48 min
